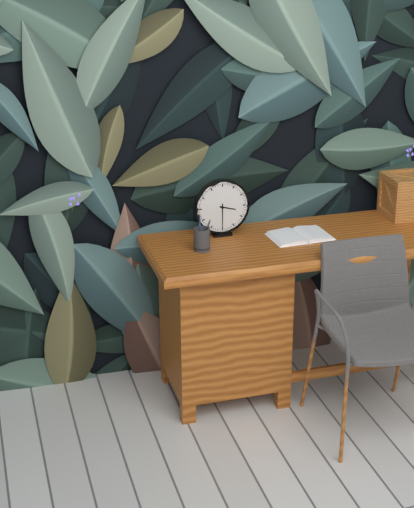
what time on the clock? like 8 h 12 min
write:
3 h 30 min
